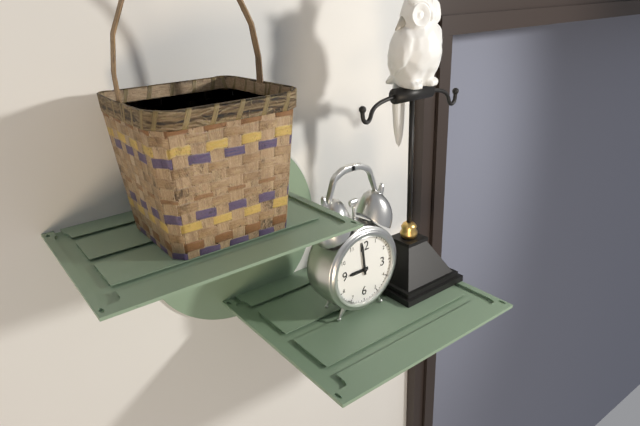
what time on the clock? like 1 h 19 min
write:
8 h 59 min
